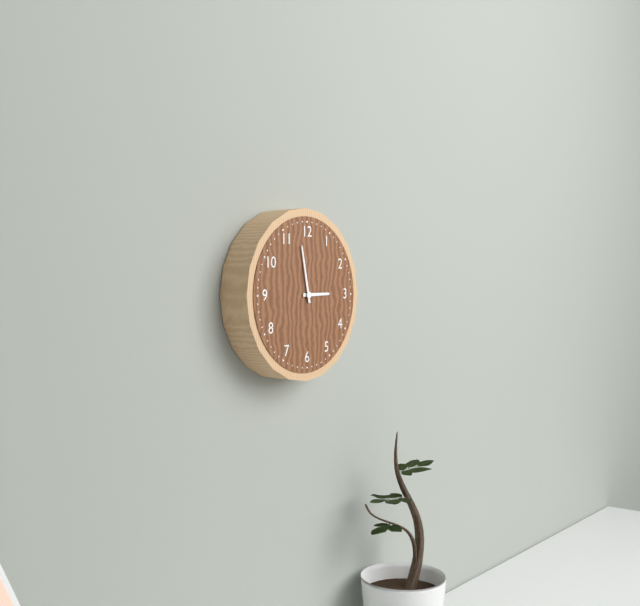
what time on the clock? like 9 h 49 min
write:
2 h 58 min
